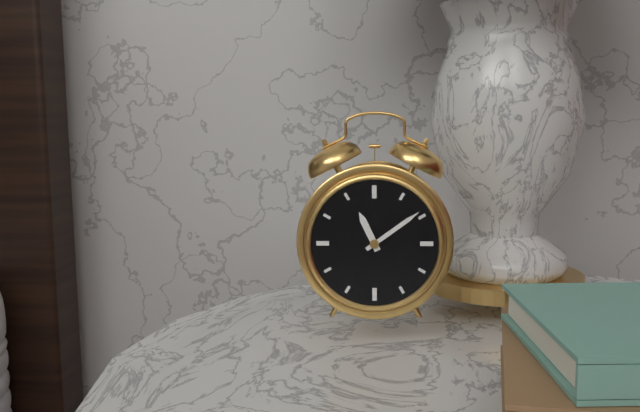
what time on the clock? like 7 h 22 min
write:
11 h 09 min
